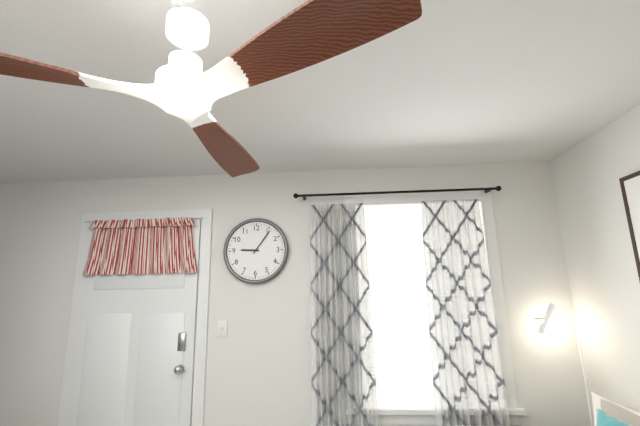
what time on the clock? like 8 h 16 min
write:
9 h 06 min
